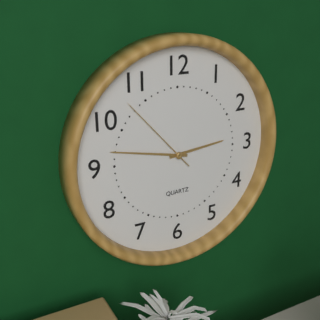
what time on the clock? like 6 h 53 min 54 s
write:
2 h 47 min 53 s
